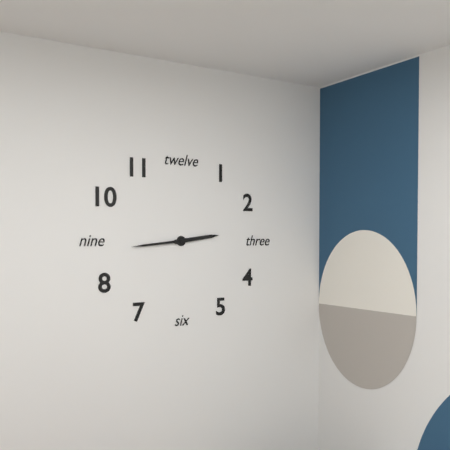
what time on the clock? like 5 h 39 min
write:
2 h 44 min
